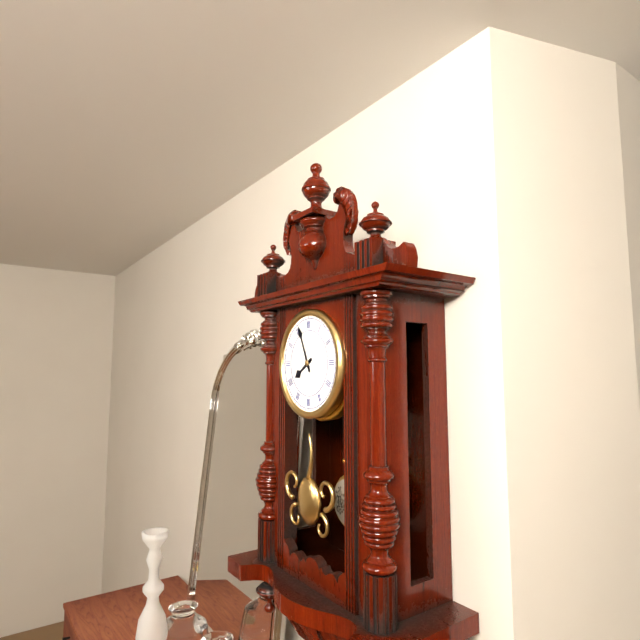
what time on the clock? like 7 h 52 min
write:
7 h 56 min
